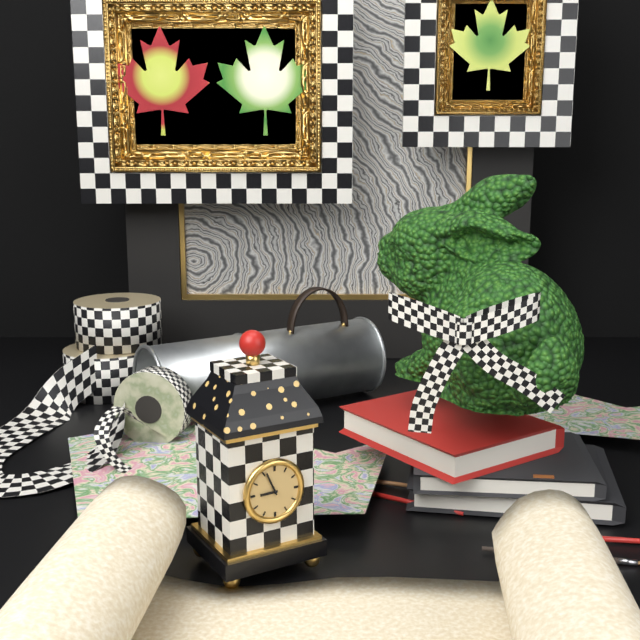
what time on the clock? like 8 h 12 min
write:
8 h 56 min
